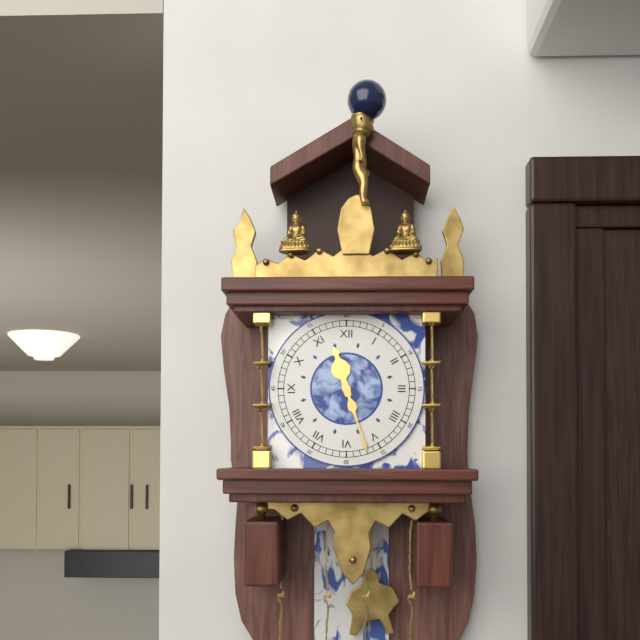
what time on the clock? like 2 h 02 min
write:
11 h 27 min
